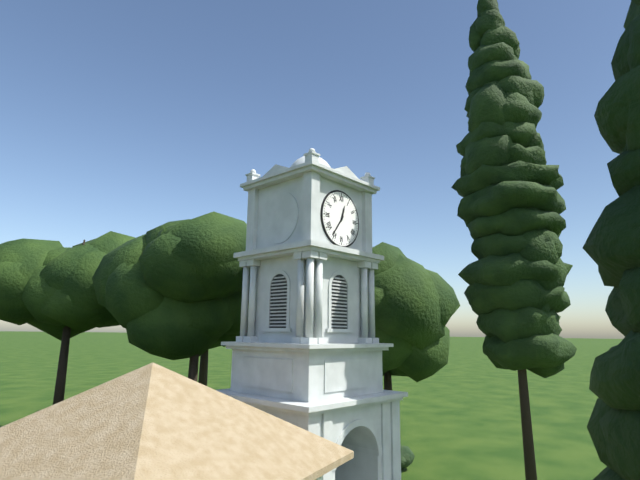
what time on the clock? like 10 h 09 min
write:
12 h 36 min
